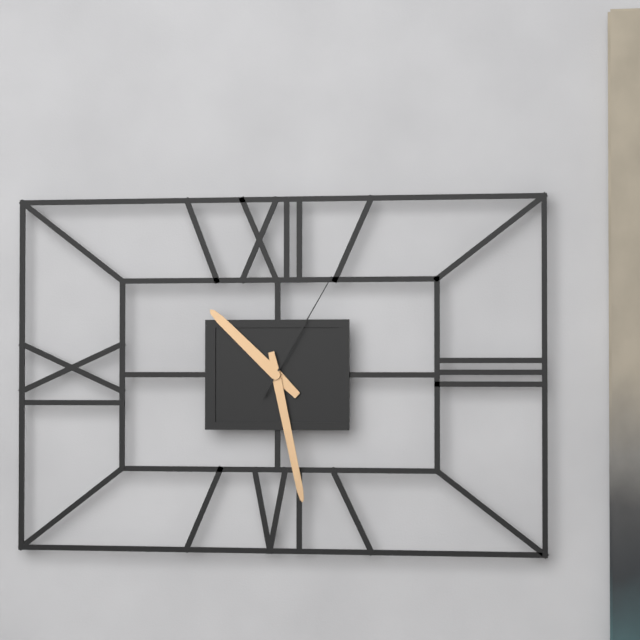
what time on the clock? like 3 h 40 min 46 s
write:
10 h 28 min 05 s
